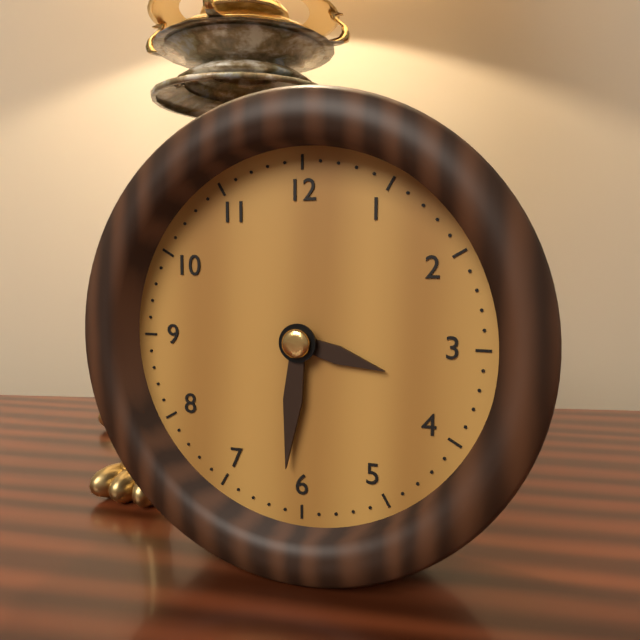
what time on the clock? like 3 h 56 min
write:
3 h 31 min
